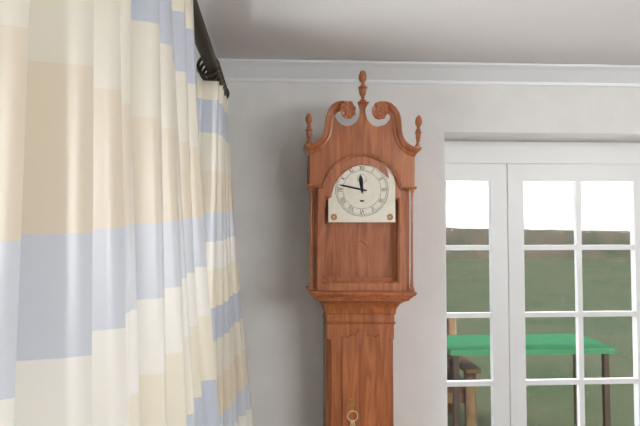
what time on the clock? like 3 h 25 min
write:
11 h 47 min
